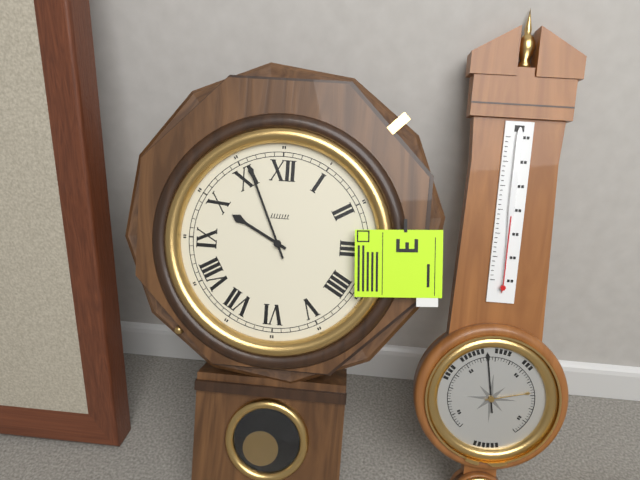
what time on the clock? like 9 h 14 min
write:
9 h 56 min
